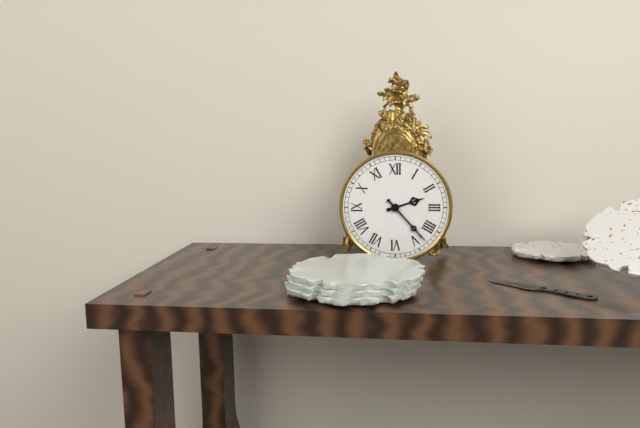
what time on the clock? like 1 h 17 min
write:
2 h 23 min
